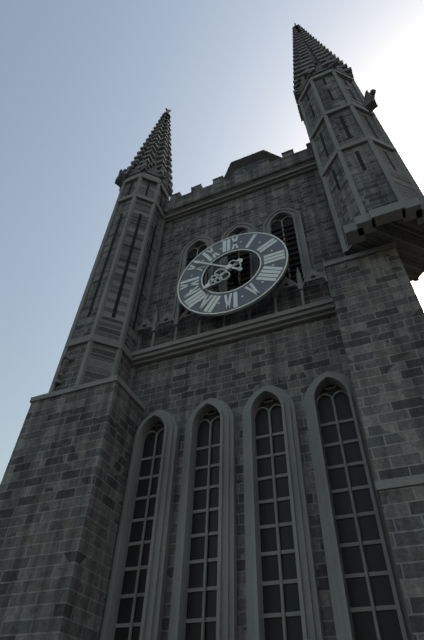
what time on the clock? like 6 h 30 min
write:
7 h 51 min
